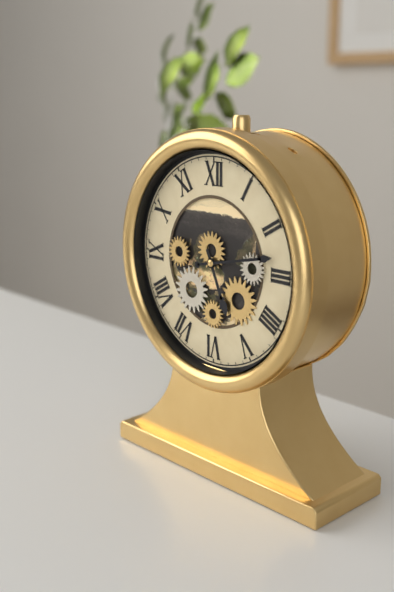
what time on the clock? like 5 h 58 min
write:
5 h 13 min
